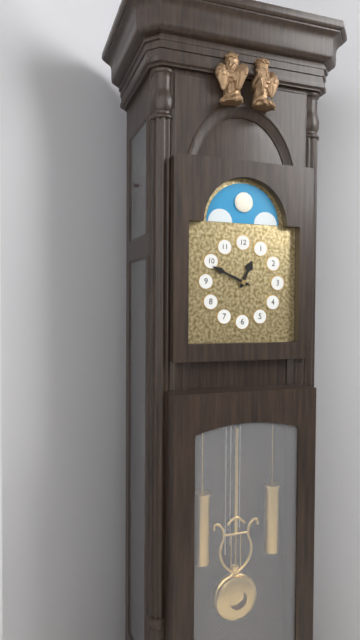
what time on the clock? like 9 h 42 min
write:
12 h 49 min
